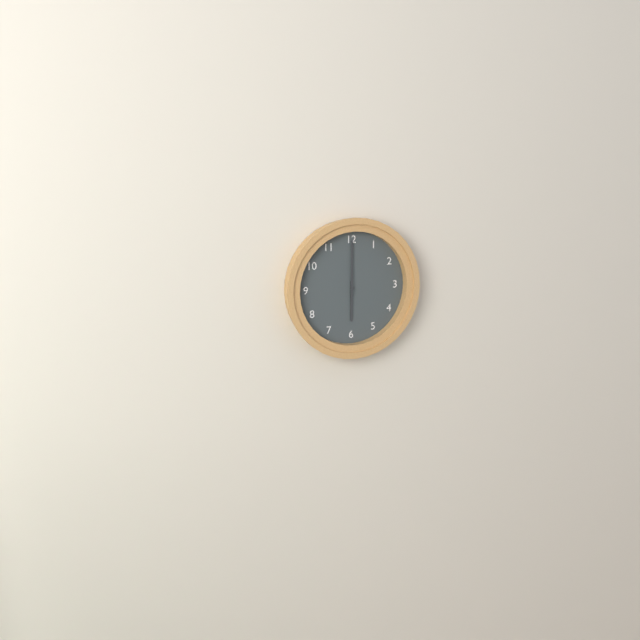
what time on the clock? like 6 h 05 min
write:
6 h 00 min
